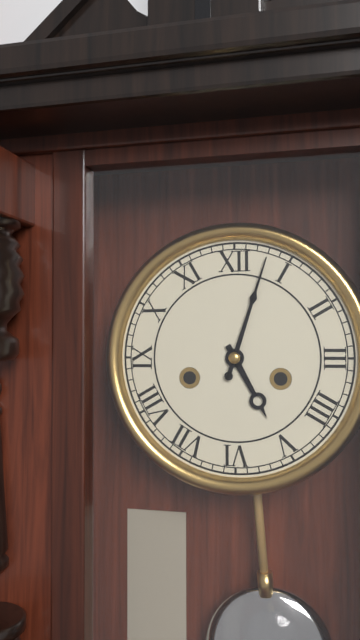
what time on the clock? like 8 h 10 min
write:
5 h 03 min
